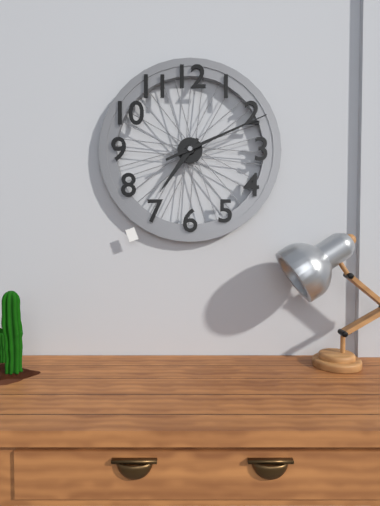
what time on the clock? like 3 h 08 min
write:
7 h 11 min
